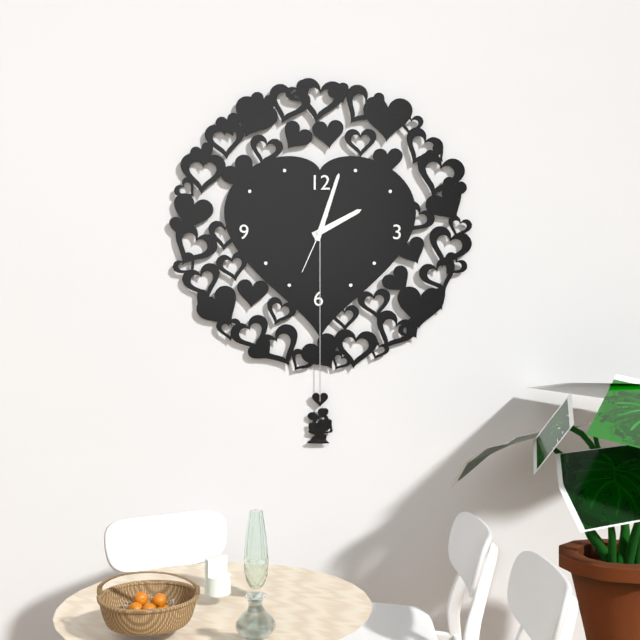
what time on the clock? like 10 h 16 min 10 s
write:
2 h 03 min 34 s
